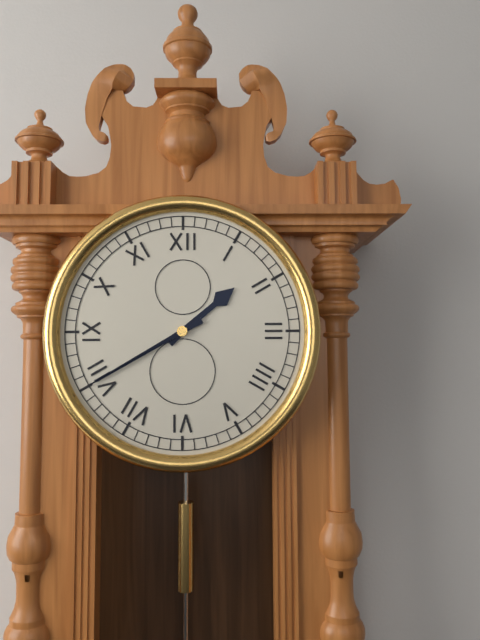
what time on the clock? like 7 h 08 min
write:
1 h 40 min
